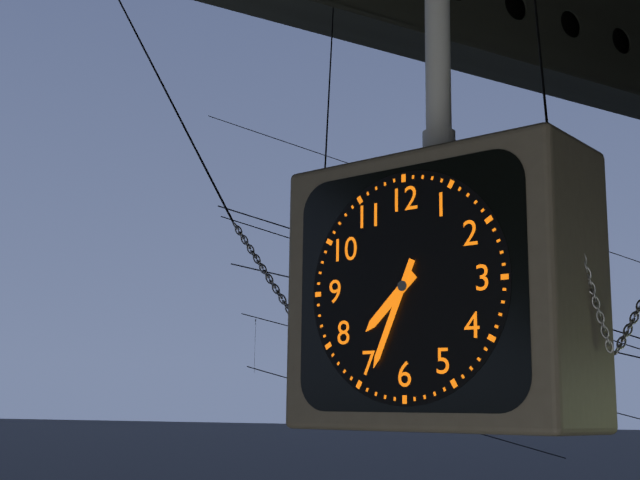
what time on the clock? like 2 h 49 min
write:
7 h 34 min
